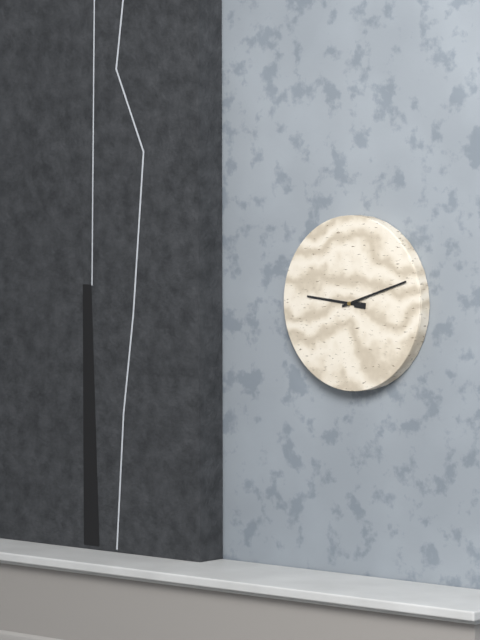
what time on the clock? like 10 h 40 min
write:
9 h 12 min
